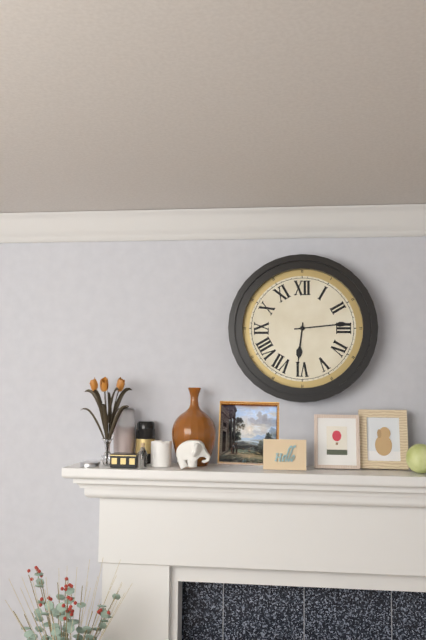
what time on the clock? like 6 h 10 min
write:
6 h 14 min
